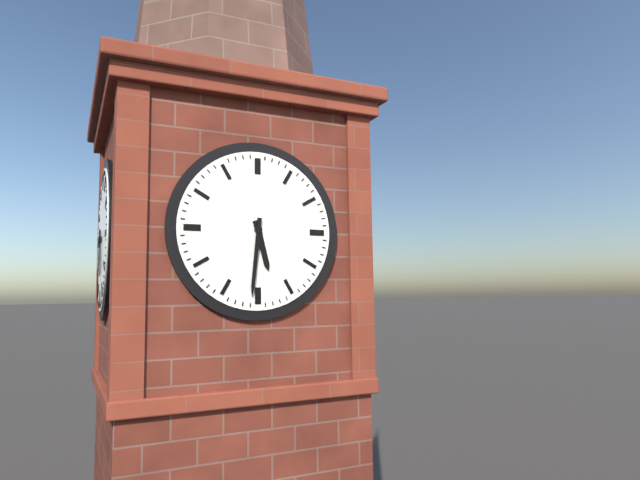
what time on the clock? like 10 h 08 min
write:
5 h 31 min
